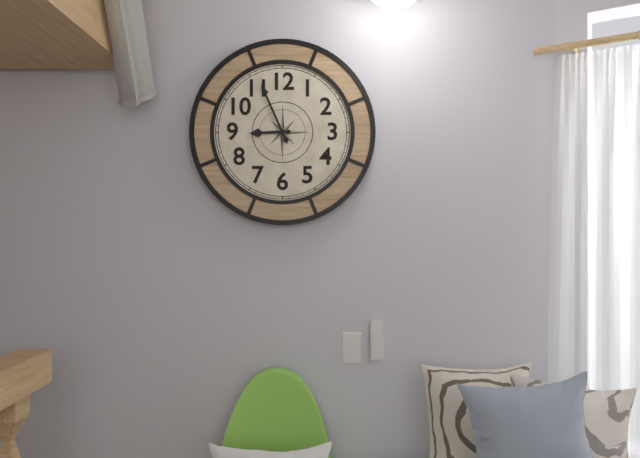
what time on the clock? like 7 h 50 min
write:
8 h 56 min
